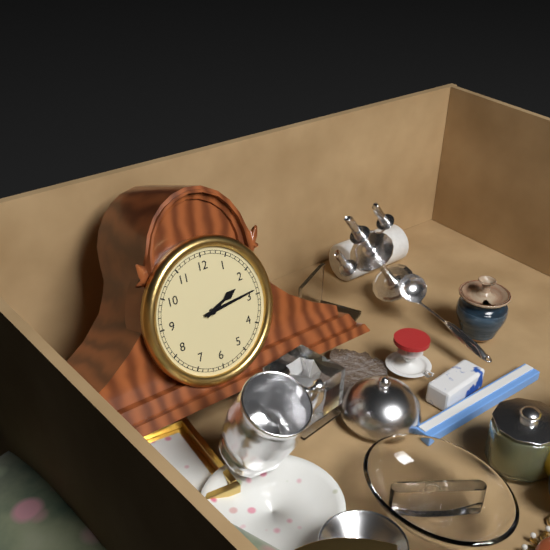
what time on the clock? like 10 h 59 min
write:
2 h 14 min
